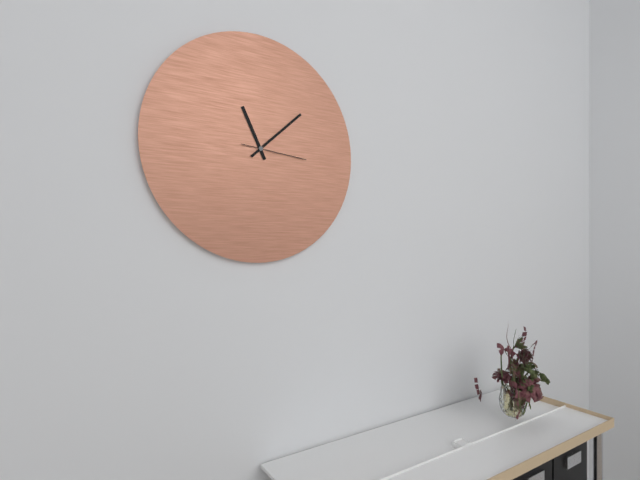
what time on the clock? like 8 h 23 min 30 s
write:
11 h 08 min 16 s
